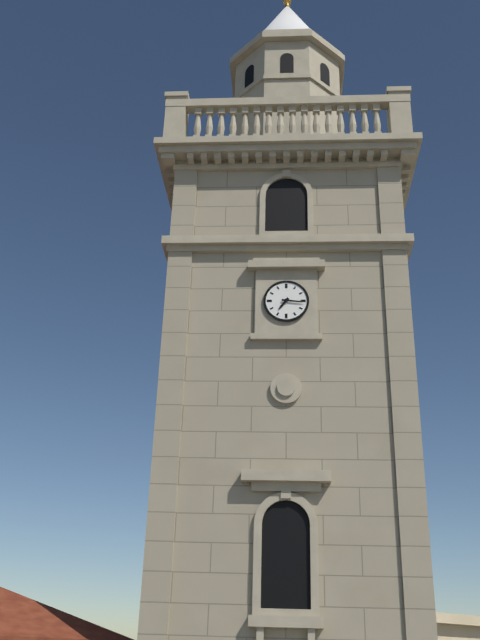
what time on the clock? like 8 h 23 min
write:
7 h 16 min
